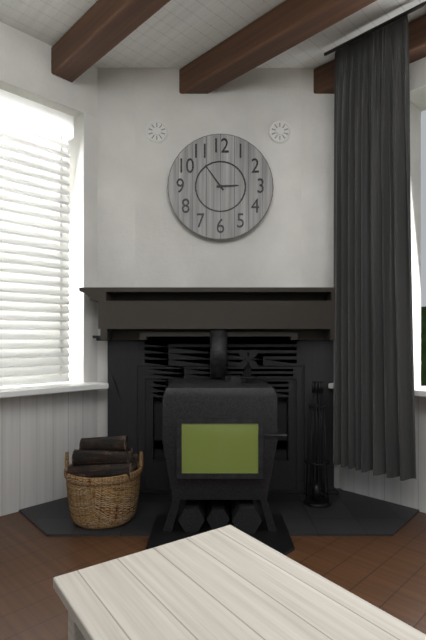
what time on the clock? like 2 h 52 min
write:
2 h 54 min
